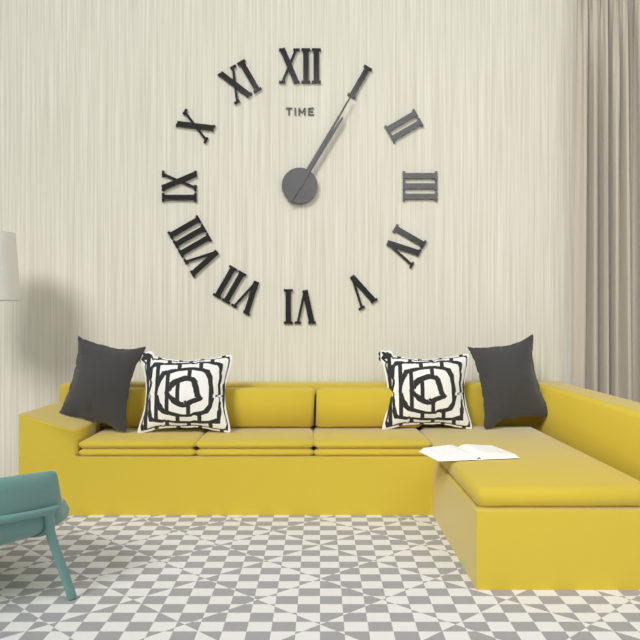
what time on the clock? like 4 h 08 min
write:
1 h 05 min
